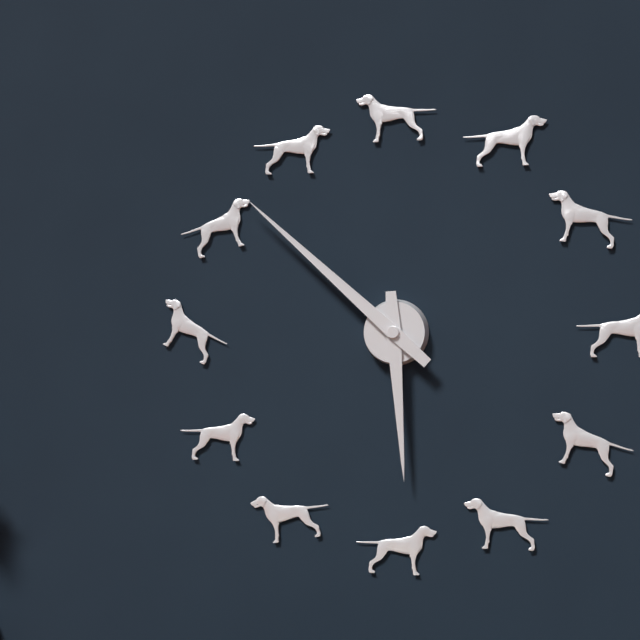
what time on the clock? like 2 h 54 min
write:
5 h 52 min
